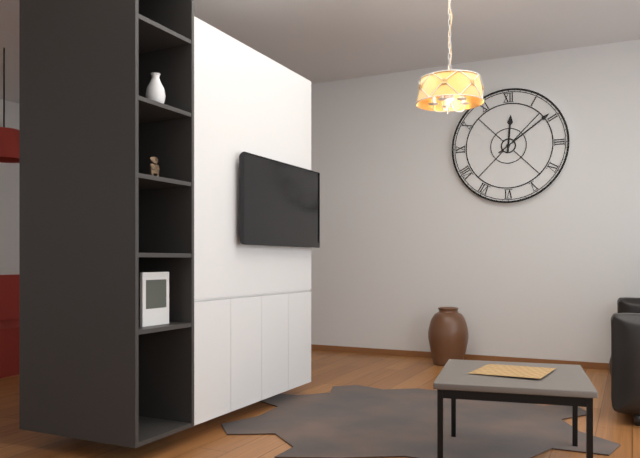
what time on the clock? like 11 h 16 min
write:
12 h 09 min
